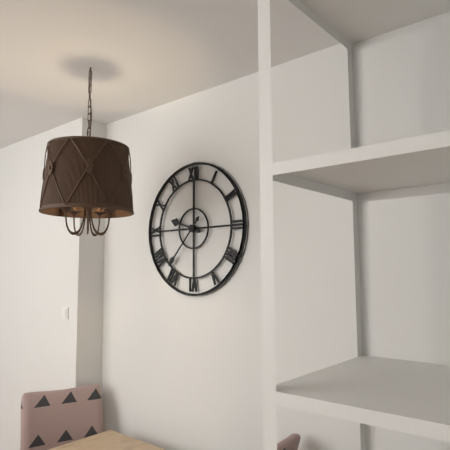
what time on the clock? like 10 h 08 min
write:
9 h 37 min
